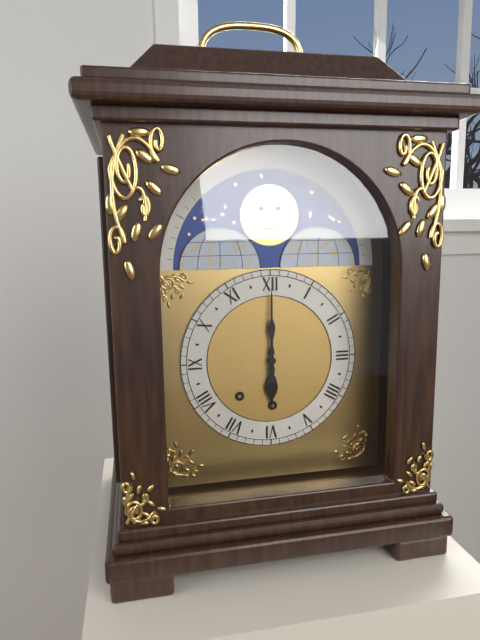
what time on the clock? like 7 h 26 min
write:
6 h 00 min
